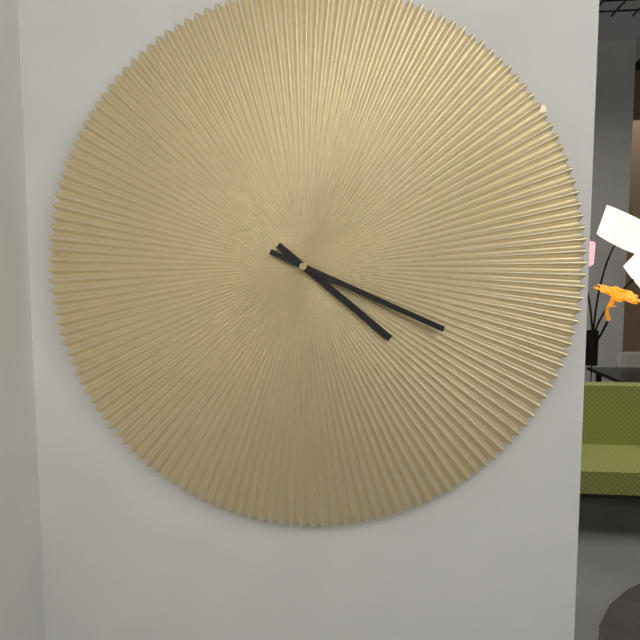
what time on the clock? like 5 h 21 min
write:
4 h 19 min
